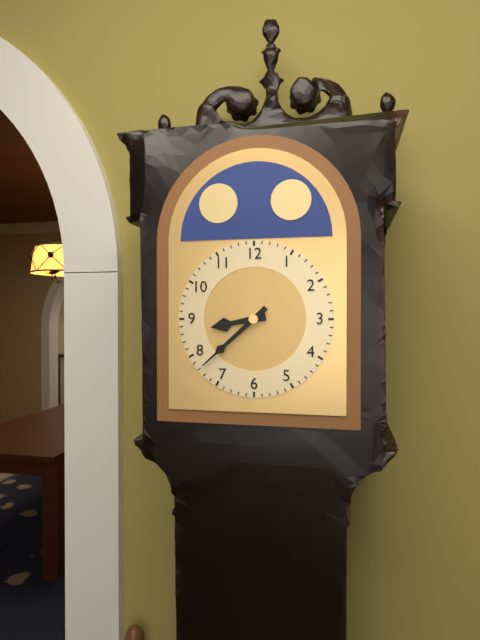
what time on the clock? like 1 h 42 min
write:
8 h 38 min
